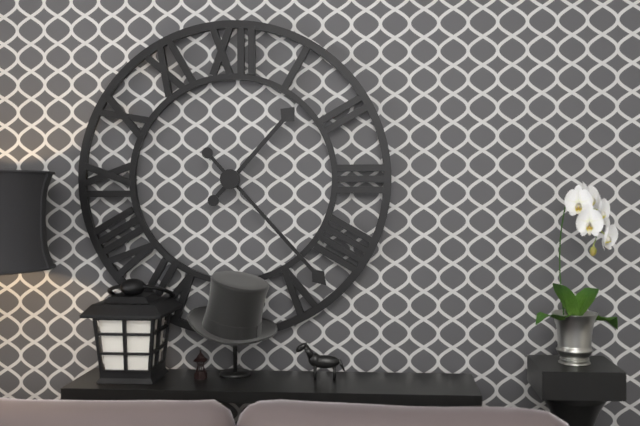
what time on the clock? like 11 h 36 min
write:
1 h 23 min
